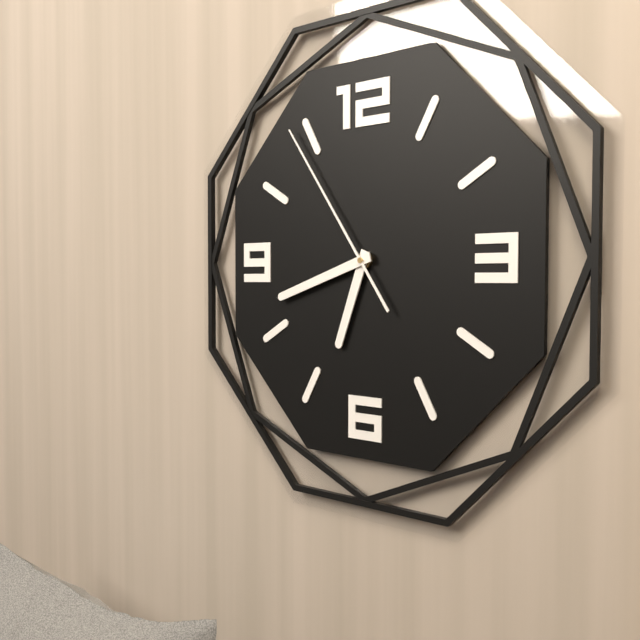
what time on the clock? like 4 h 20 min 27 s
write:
6 h 42 min 54 s
